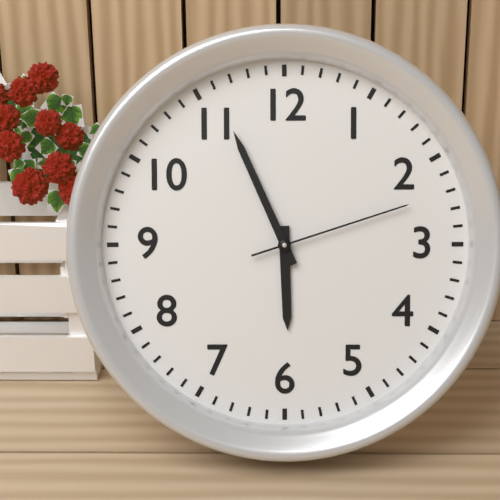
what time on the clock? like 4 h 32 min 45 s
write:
5 h 56 min 12 s
